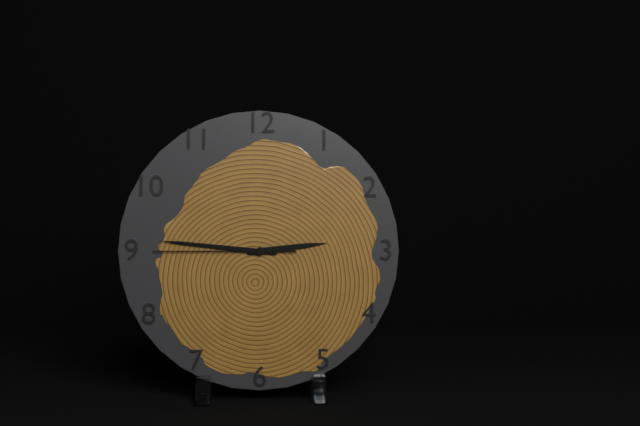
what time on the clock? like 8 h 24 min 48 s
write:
2 h 46 min 45 s
